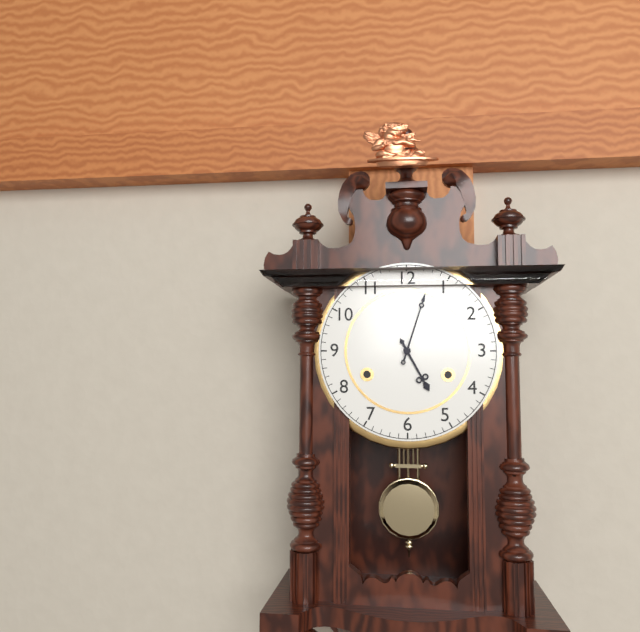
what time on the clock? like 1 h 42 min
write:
5 h 03 min
